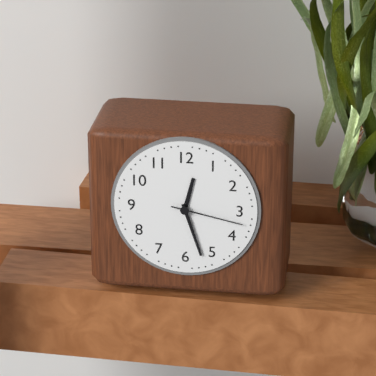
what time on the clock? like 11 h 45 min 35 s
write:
12 h 27 min 17 s
